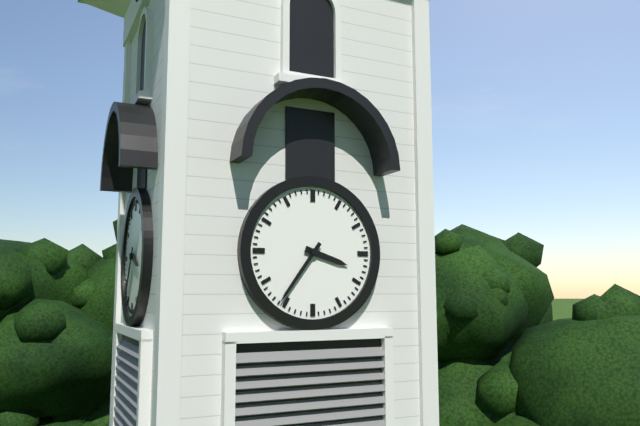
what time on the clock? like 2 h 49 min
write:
3 h 36 min
